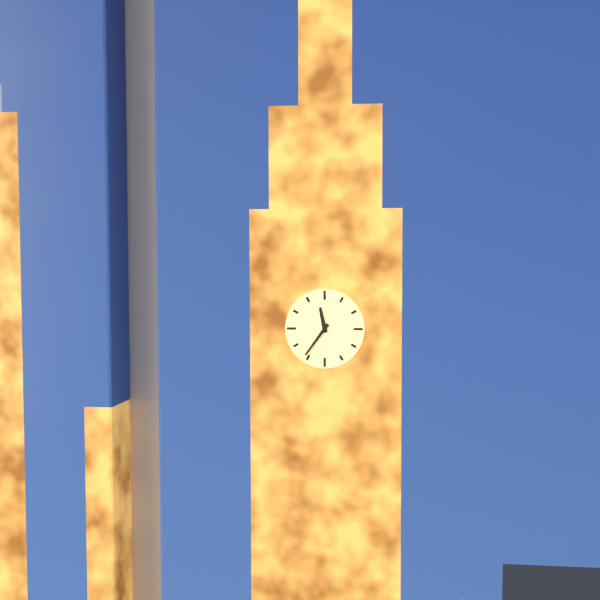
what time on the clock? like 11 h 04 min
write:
11 h 36 min
